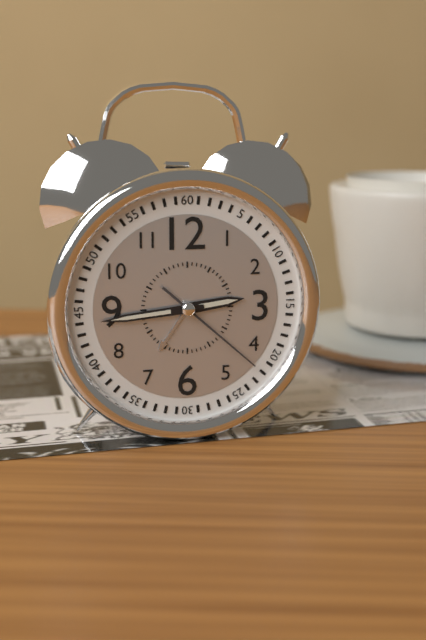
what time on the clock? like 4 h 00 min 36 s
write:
2 h 44 min 22 s
